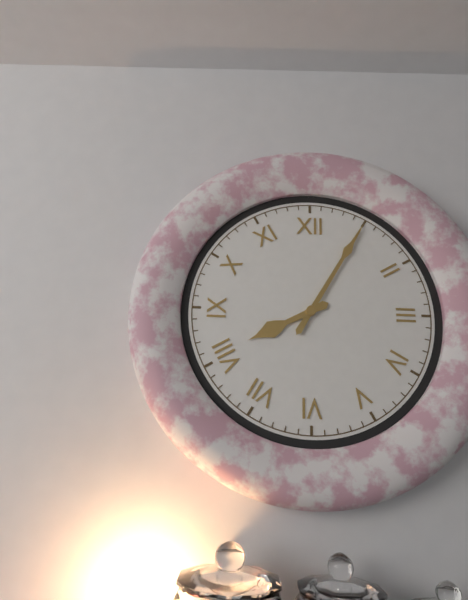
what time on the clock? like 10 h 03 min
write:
8 h 05 min
